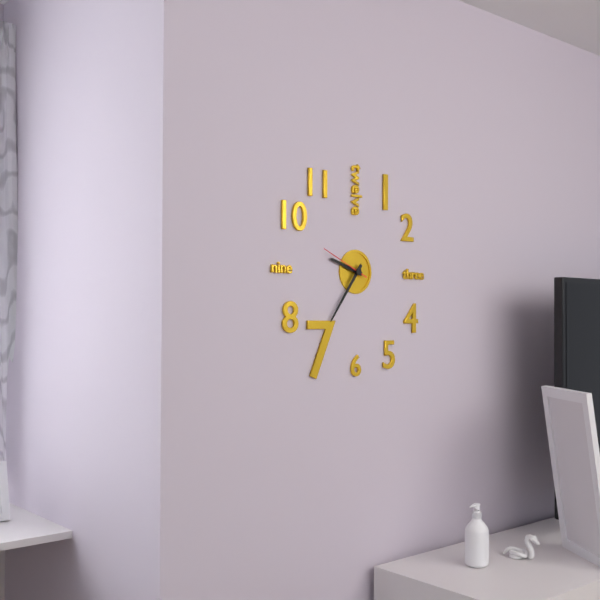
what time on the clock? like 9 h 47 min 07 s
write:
9 h 36 min 49 s
